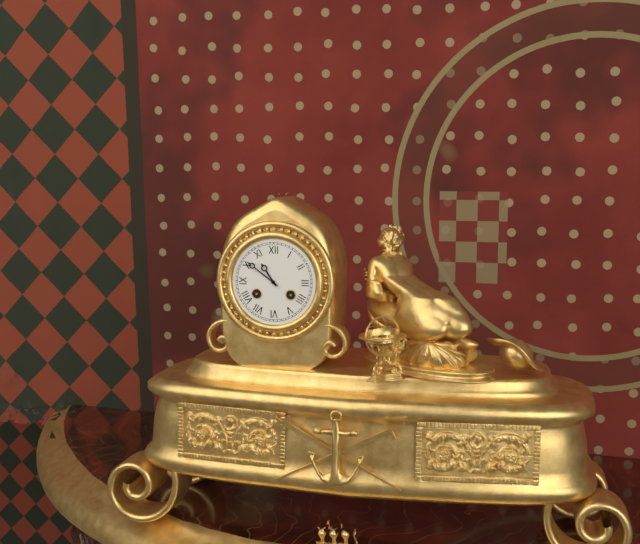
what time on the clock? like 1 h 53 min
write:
10 h 51 min
